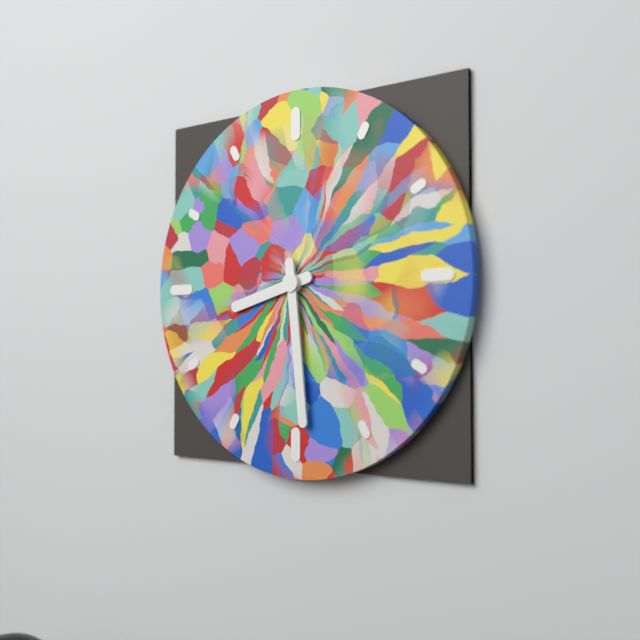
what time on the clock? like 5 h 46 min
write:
8 h 29 min
